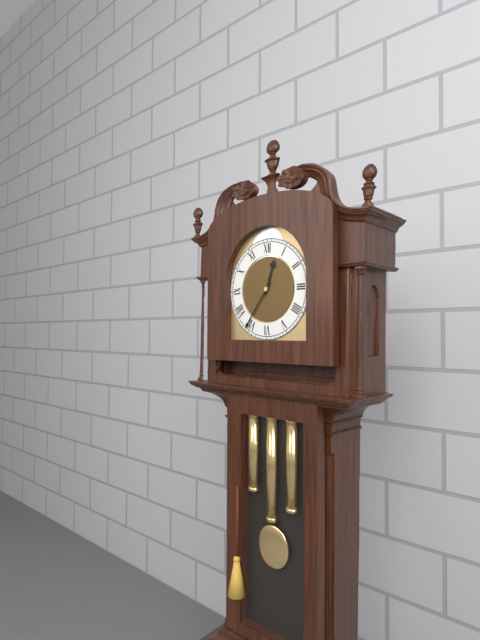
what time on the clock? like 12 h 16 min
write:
12 h 36 min
